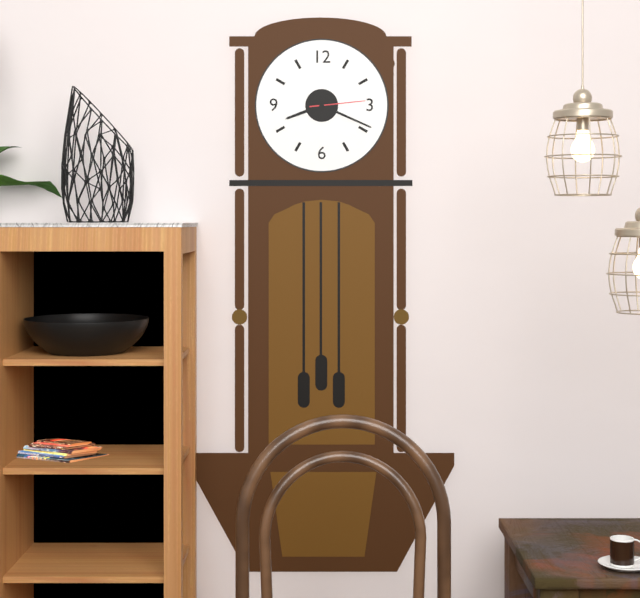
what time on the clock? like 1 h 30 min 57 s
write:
8 h 19 min 14 s
